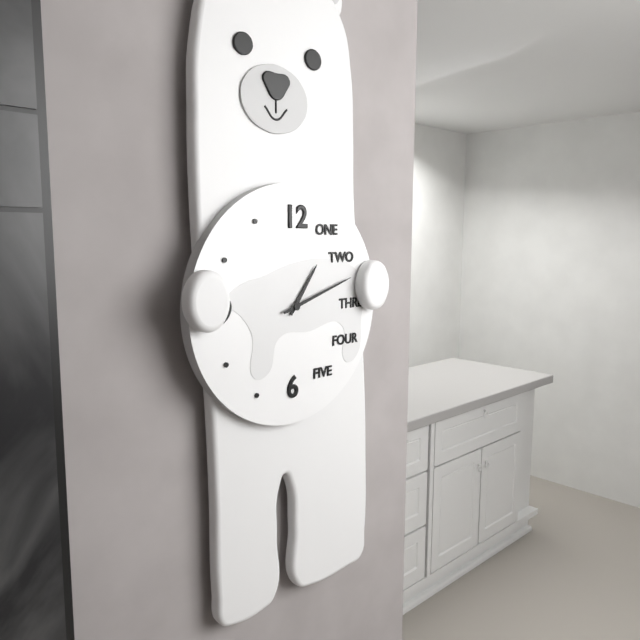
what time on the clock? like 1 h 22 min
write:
1 h 12 min
